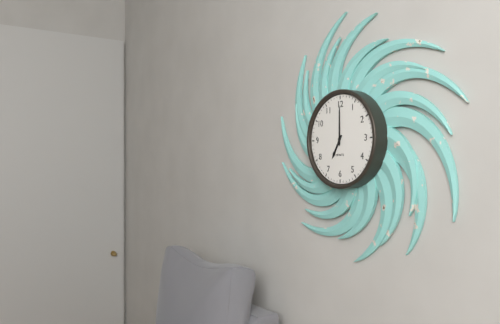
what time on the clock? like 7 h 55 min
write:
7 h 00 min
